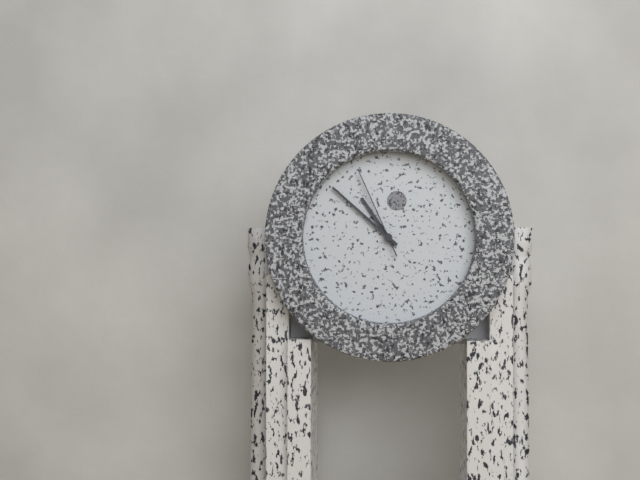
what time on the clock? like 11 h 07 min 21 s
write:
10 h 52 min 56 s
